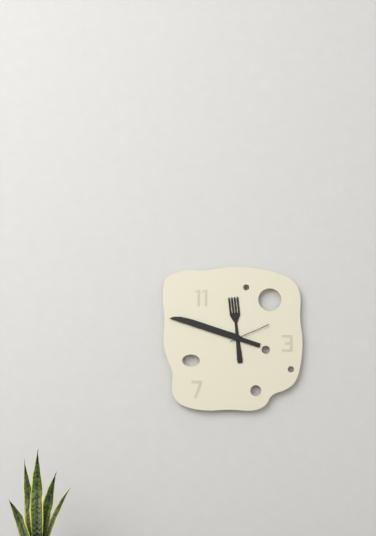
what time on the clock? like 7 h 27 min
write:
11 h 48 min
